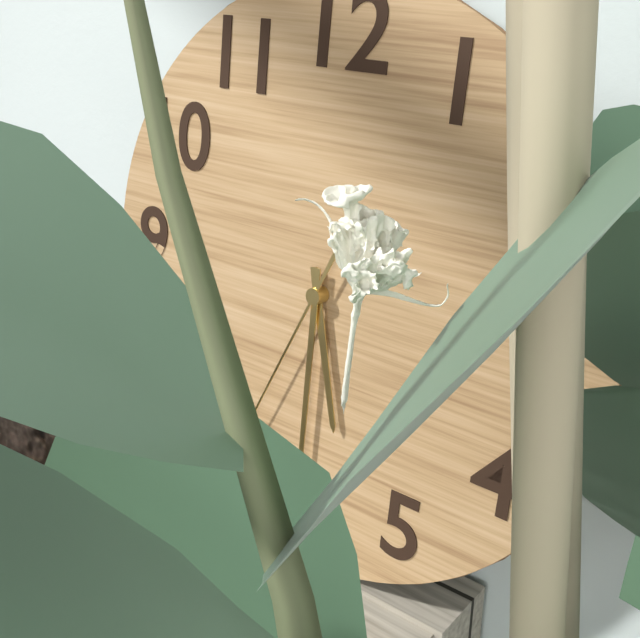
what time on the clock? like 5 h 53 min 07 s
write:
5 h 30 min 34 s
